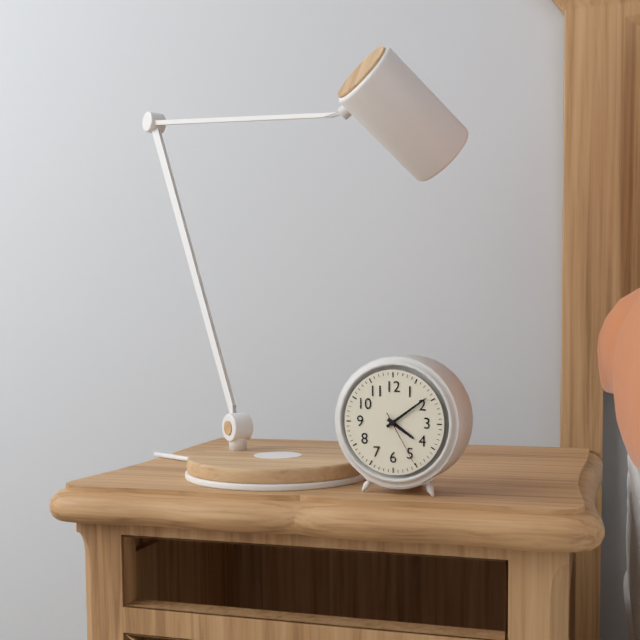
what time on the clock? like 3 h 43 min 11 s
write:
4 h 09 min 25 s
